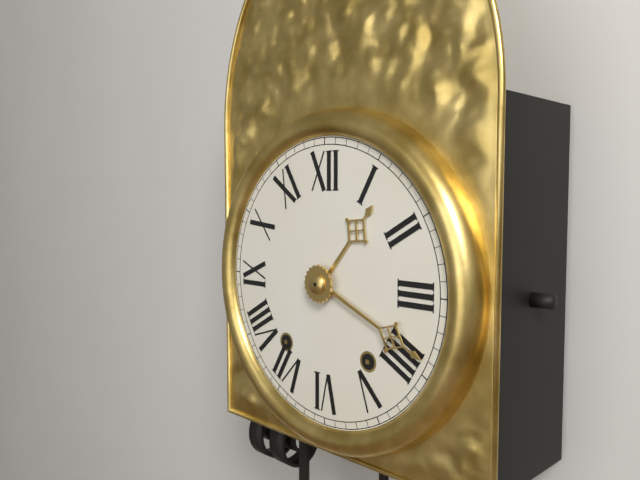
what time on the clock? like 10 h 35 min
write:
1 h 19 min
